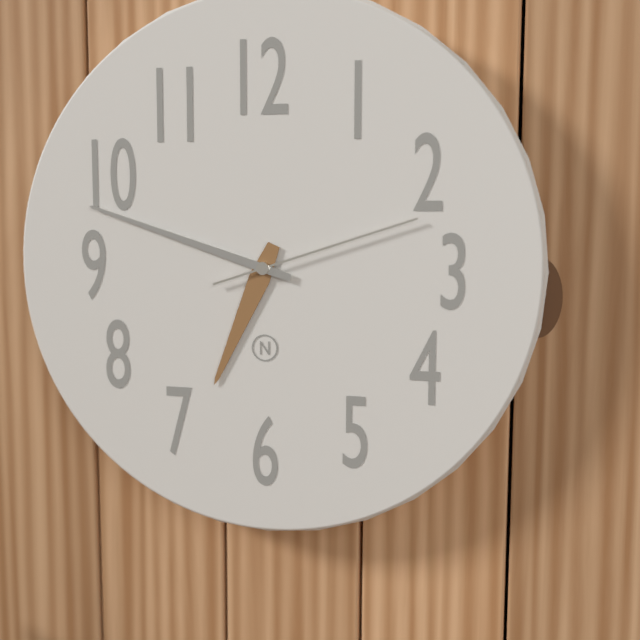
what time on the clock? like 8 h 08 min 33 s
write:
6 h 48 min 12 s
